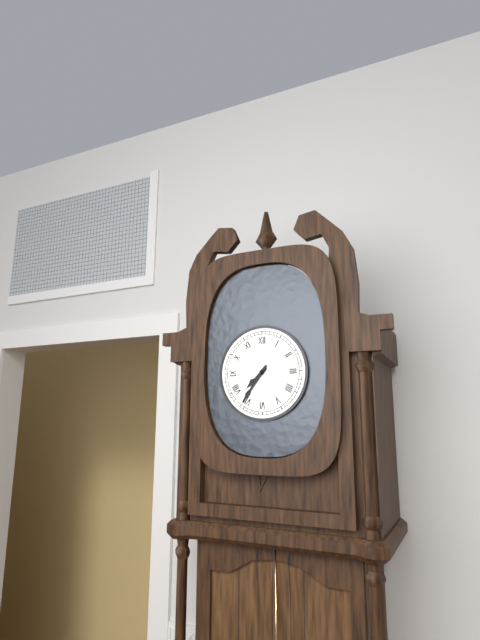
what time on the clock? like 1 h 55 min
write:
7 h 36 min
